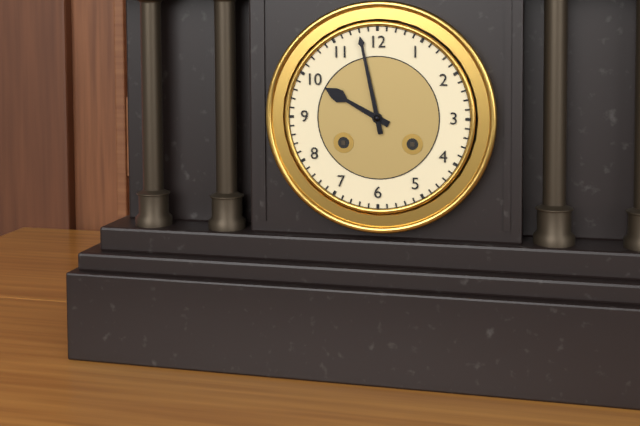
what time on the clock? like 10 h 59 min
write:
9 h 58 min
